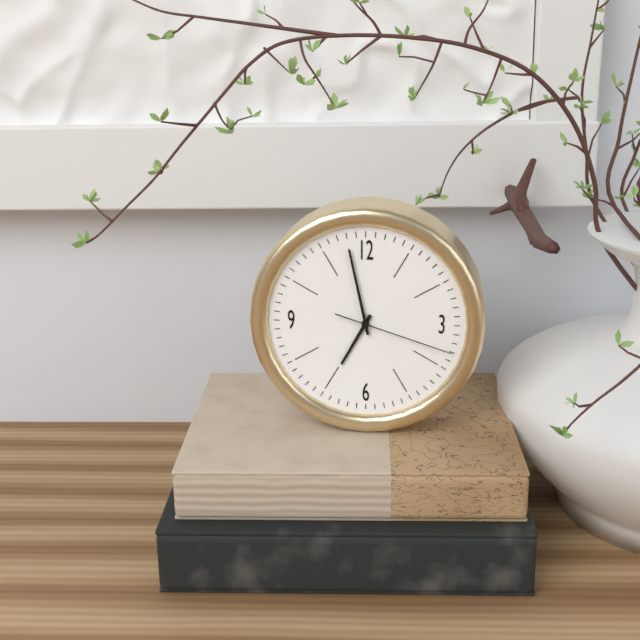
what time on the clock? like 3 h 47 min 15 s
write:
6 h 58 min 18 s
